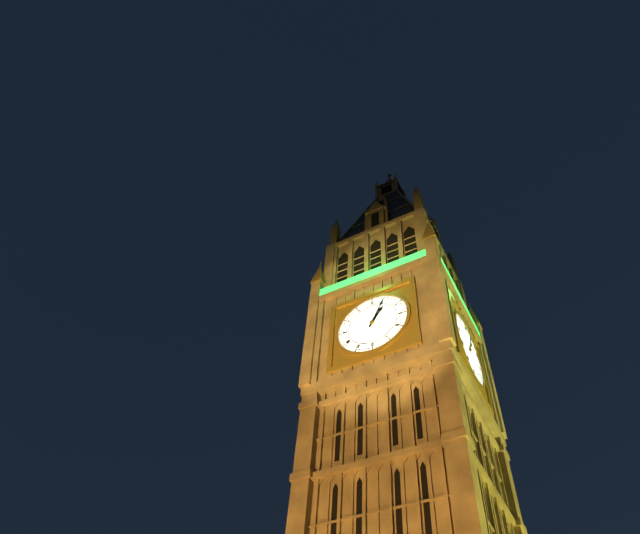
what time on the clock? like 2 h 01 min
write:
1 h 04 min
